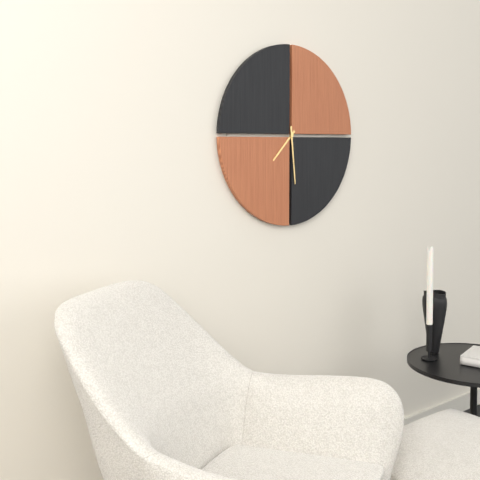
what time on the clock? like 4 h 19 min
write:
7 h 29 min
